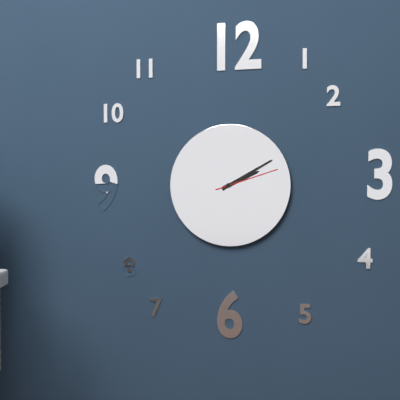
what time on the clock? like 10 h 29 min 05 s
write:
2 h 10 min 12 s
